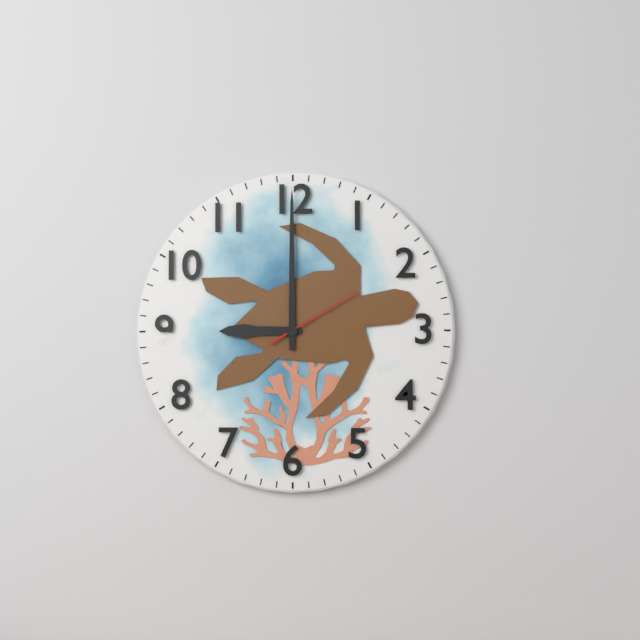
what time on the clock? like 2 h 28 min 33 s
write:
9 h 00 min 10 s
